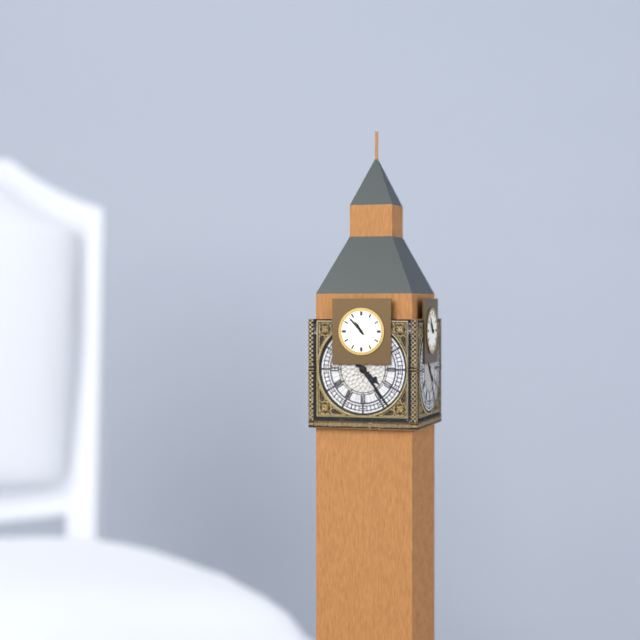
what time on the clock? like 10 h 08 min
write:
10 h 53 min
